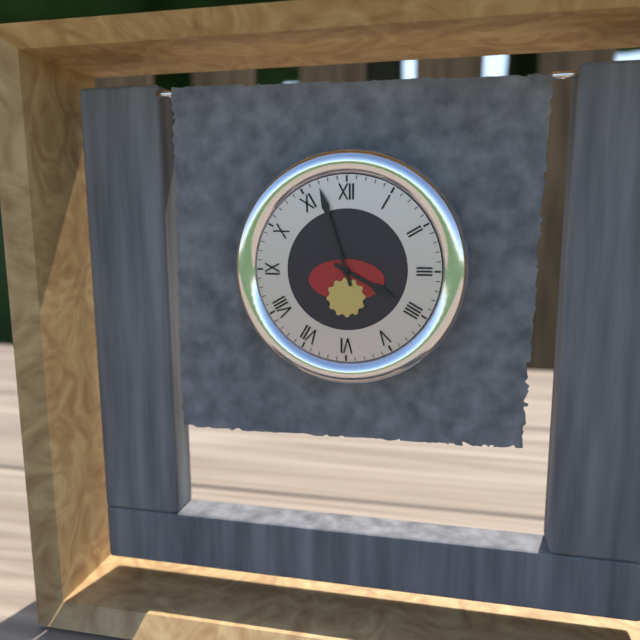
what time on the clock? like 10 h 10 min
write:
3 h 57 min
